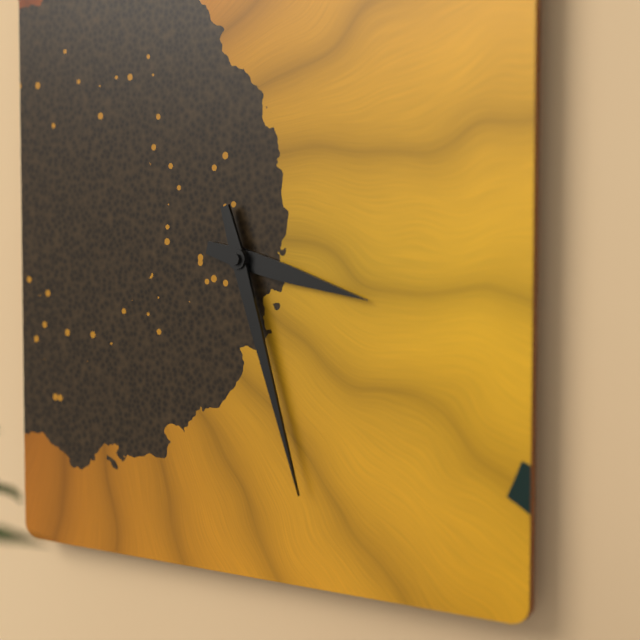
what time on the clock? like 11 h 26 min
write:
3 h 27 min
